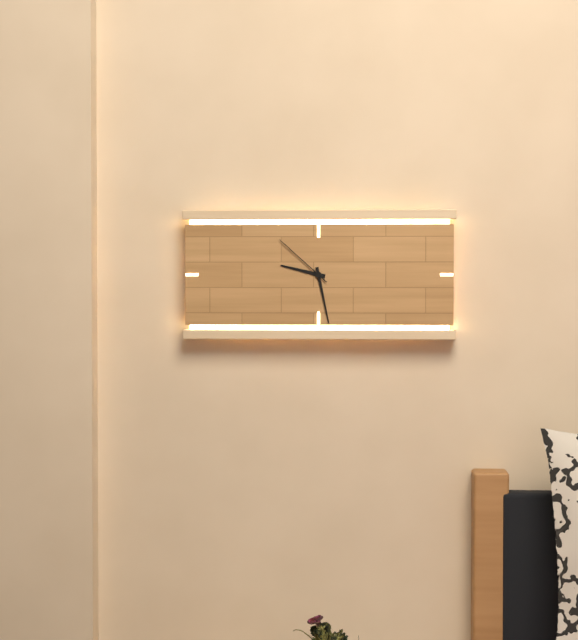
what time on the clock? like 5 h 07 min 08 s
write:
9 h 28 min 52 s
